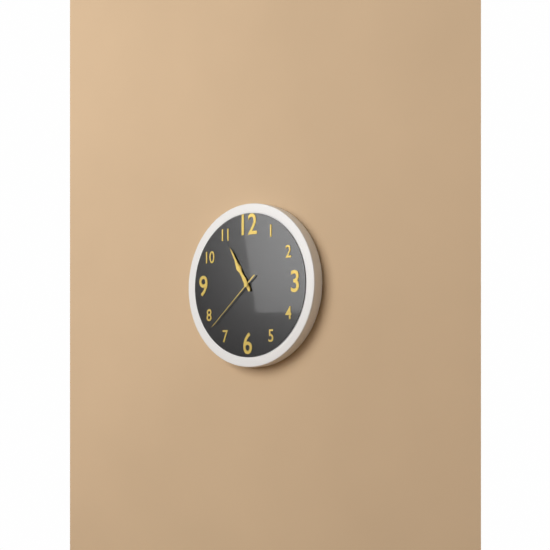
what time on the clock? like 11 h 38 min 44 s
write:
10 h 55 min 38 s
